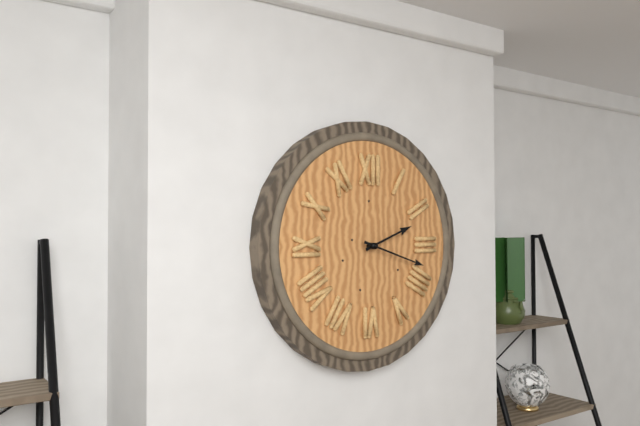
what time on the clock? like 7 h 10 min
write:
2 h 18 min
